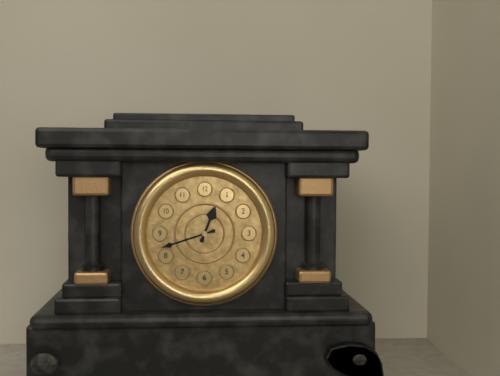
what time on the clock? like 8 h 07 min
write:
12 h 42 min
